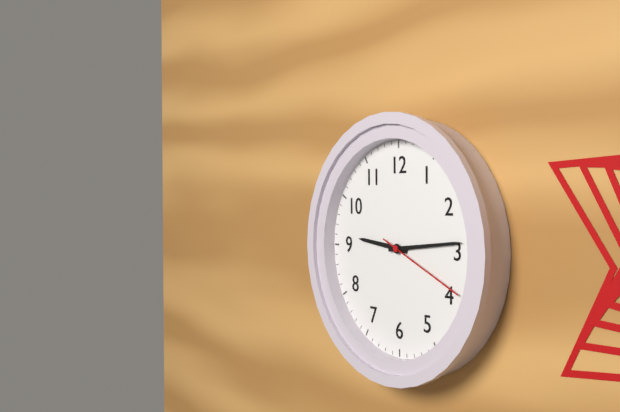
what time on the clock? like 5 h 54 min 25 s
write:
9 h 14 min 19 s
